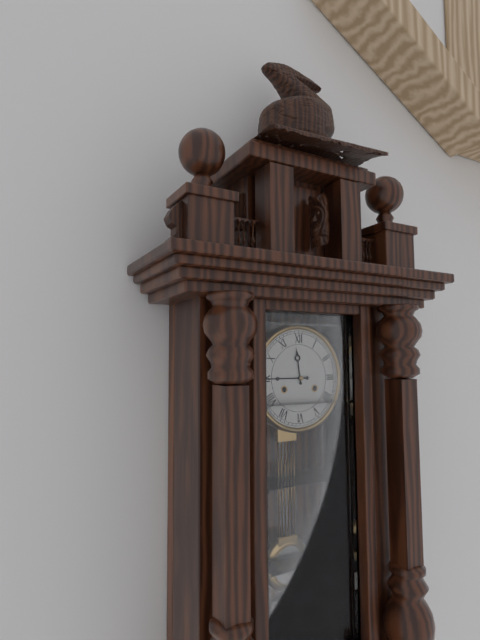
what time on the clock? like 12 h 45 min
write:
11 h 45 min
